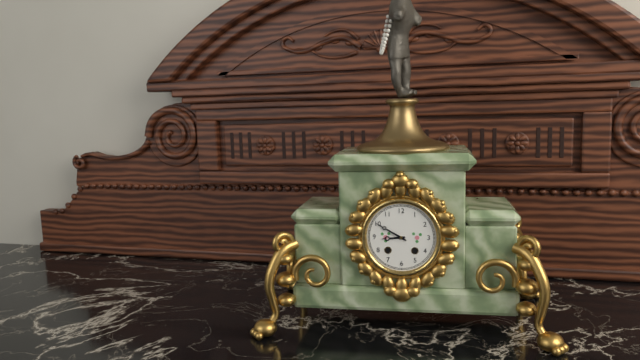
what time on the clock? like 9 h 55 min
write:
8 h 50 min
